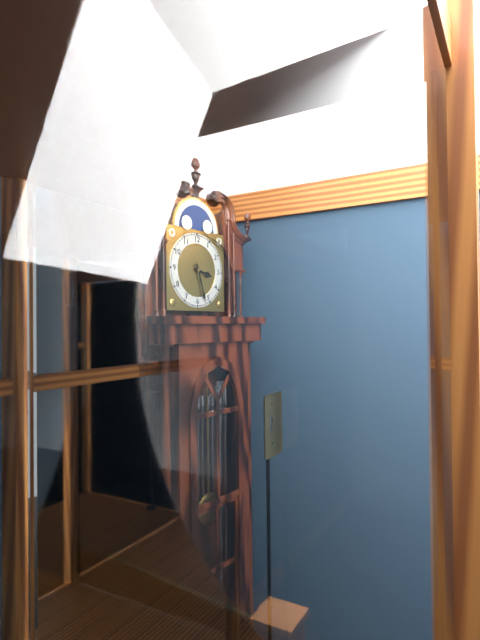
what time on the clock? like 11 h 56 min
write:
3 h 27 min
